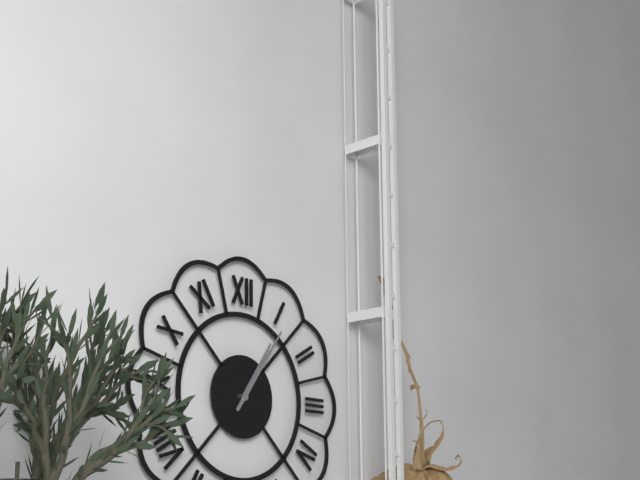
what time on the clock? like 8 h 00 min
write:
1 h 06 min
